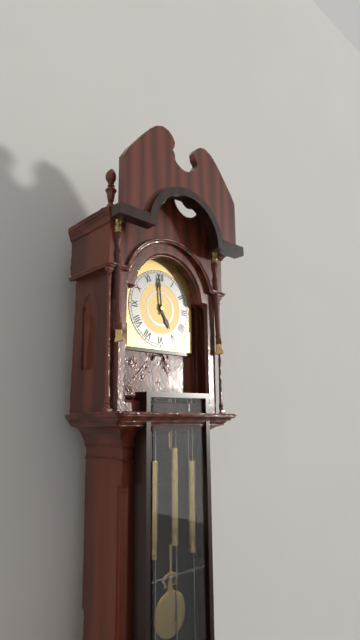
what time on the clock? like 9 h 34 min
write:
4 h 59 min
